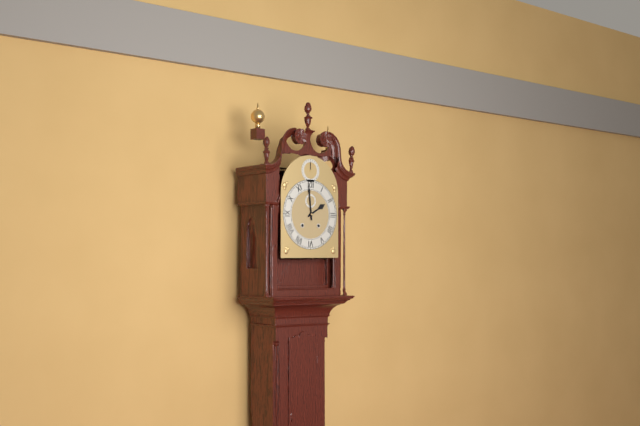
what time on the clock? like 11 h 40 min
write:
1 h 59 min
